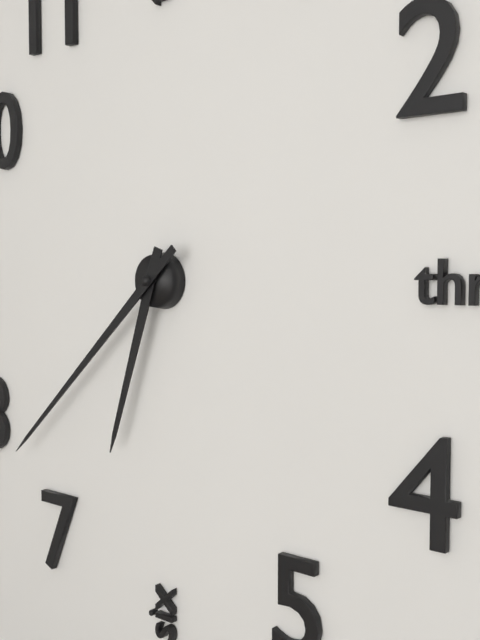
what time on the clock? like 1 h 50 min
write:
6 h 38 min
